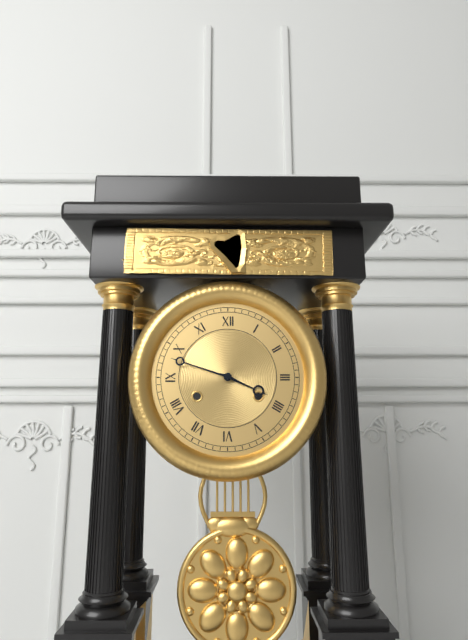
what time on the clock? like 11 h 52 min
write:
3 h 48 min
